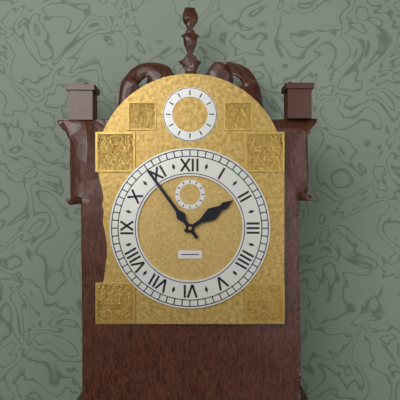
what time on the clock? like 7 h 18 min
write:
1 h 54 min
